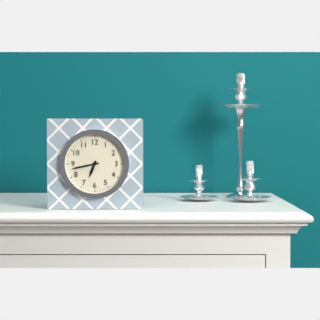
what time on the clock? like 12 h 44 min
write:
6 h 43 min
